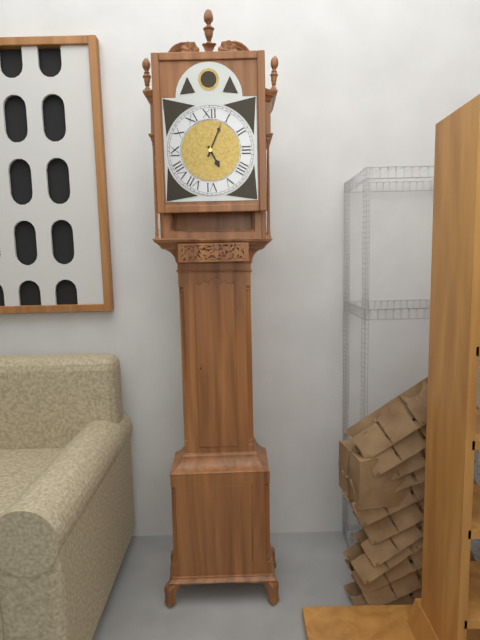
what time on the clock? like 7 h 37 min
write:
5 h 04 min
